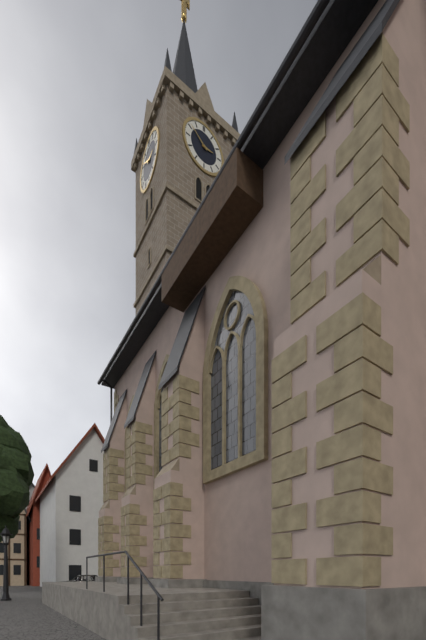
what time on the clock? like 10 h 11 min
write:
2 h 51 min
